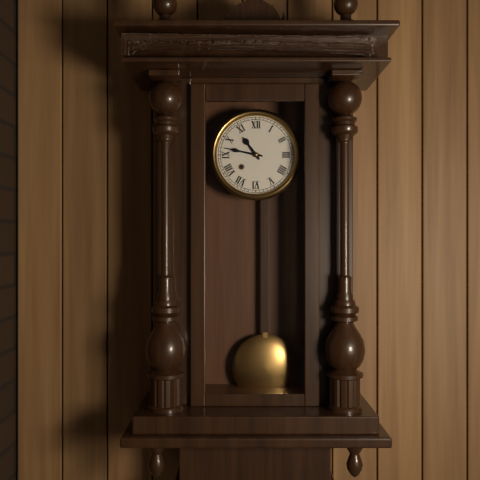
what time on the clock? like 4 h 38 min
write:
10 h 47 min
